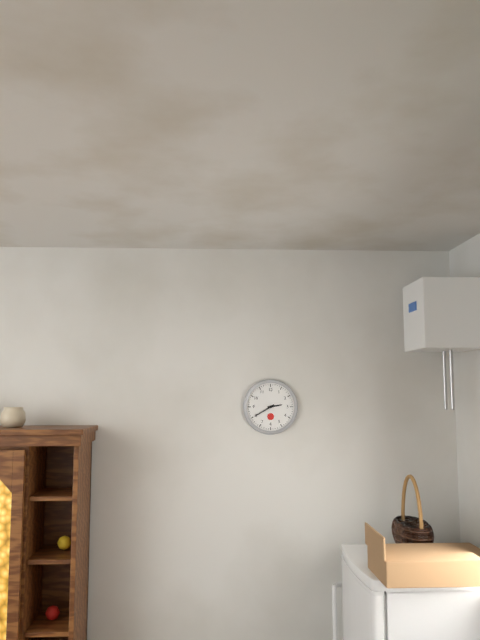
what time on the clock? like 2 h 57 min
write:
2 h 40 min
